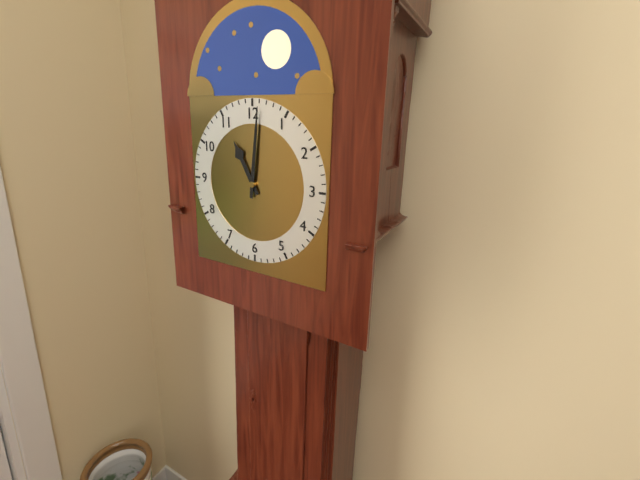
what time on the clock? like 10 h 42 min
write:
11 h 01 min
